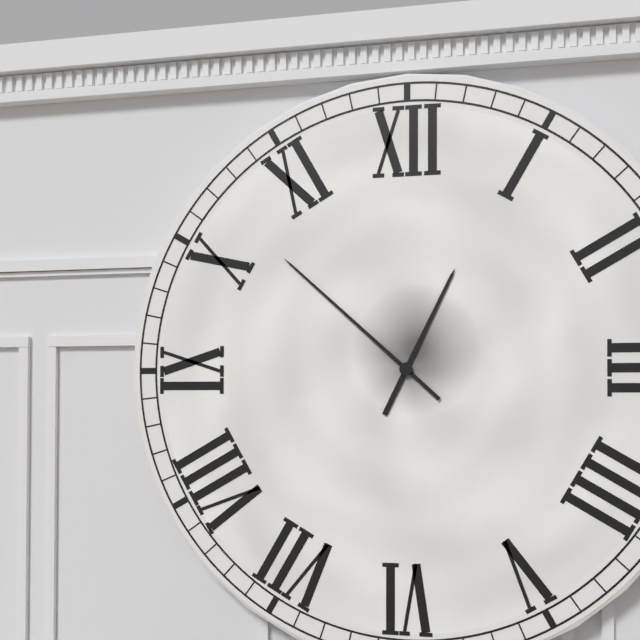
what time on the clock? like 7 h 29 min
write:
12 h 52 min
